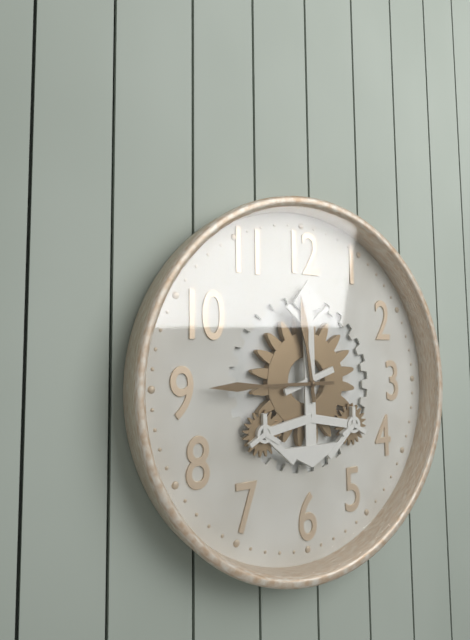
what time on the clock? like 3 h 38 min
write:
11 h 45 min
